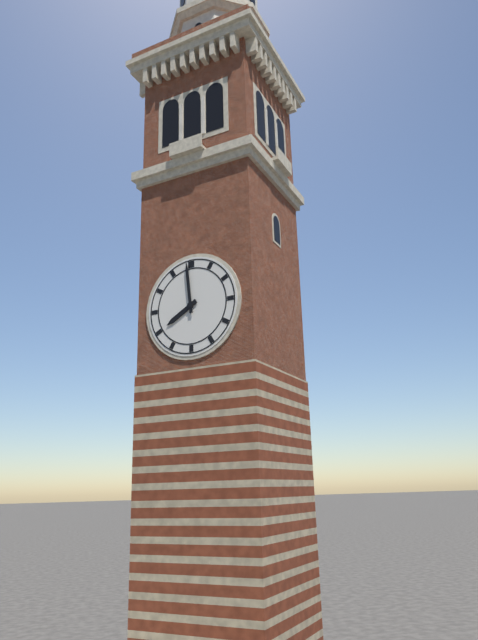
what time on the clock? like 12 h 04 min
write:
7 h 59 min
